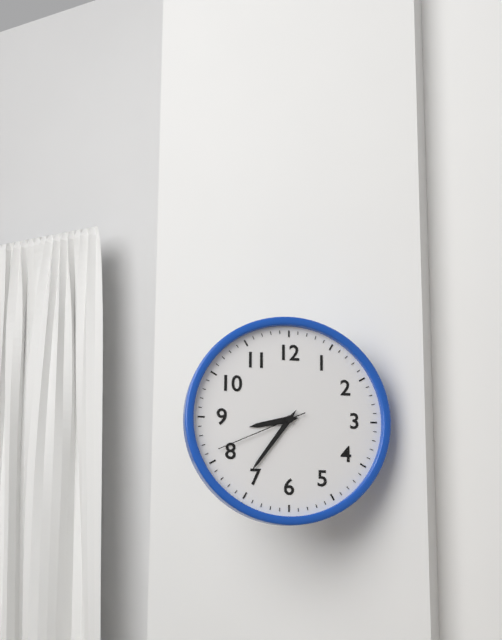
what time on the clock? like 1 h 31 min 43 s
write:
8 h 36 min 41 s
